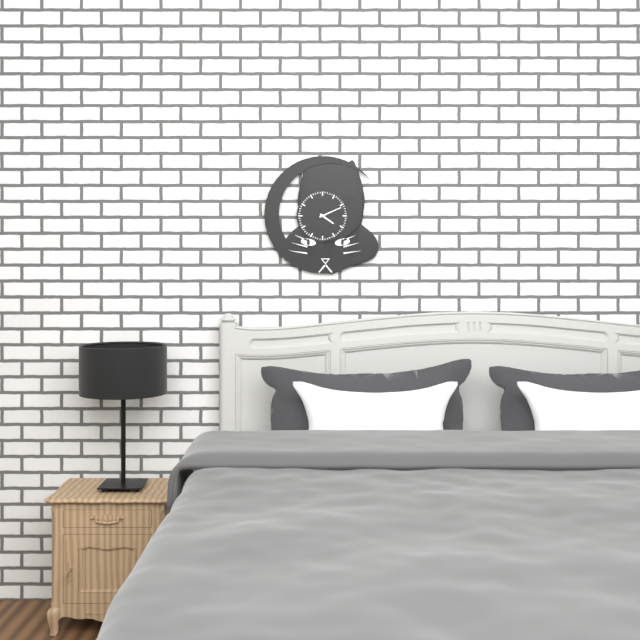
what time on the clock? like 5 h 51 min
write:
4 h 11 min
